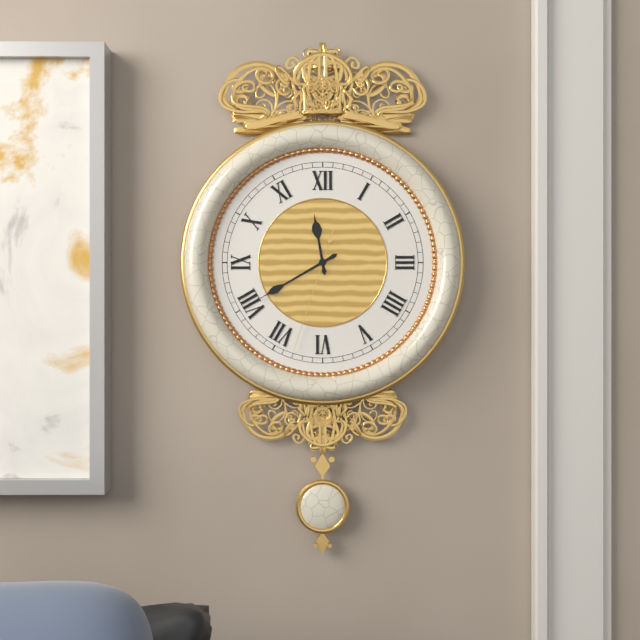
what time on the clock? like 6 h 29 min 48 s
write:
11 h 40 min 33 s
